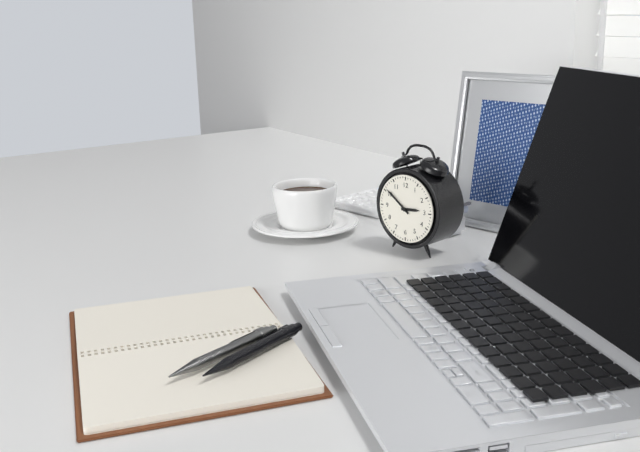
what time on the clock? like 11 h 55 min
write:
2 h 51 min
